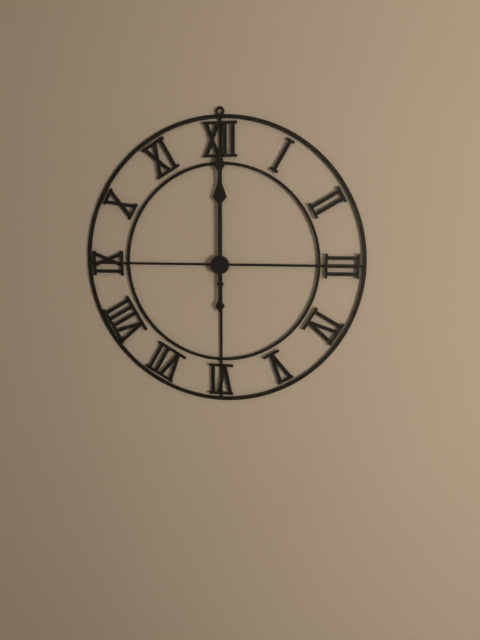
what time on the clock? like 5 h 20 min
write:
12 h 00 min
